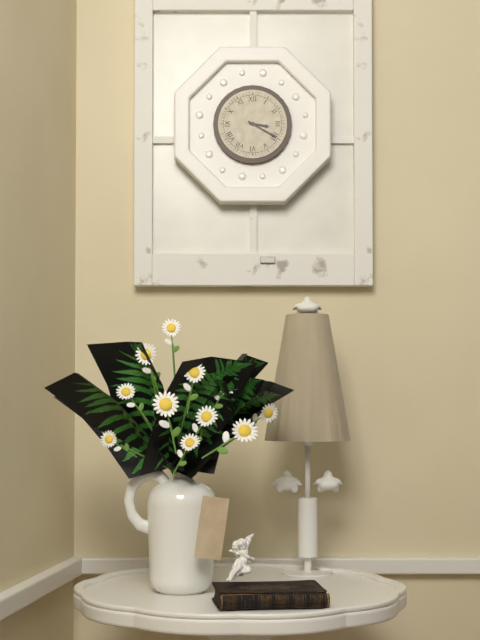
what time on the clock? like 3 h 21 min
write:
3 h 20 min
